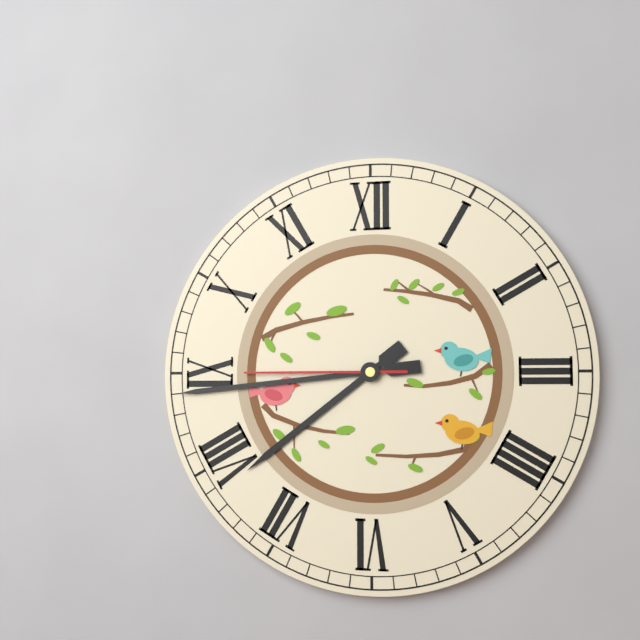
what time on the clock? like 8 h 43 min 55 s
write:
7 h 44 min 45 s
